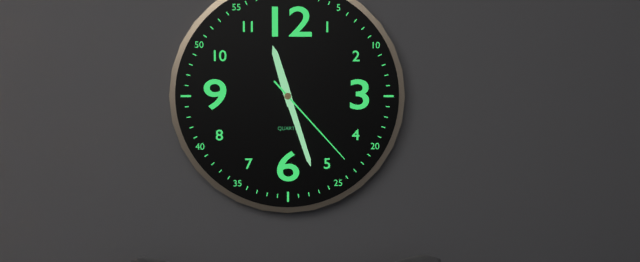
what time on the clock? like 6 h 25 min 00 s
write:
11 h 27 min 23 s
